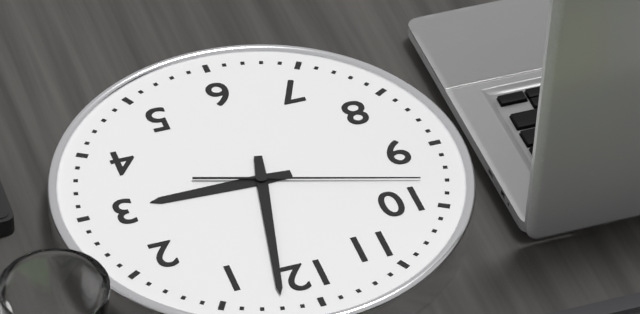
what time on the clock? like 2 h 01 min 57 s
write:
3 h 02 min 48 s
